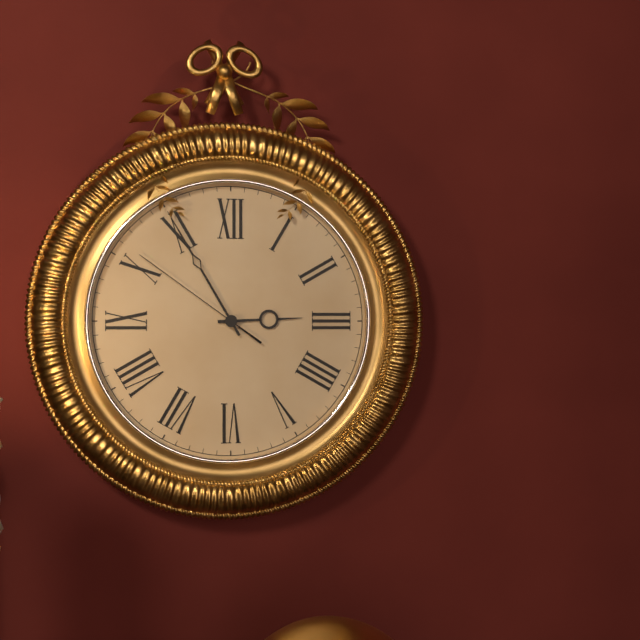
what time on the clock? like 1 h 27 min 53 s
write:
2 h 55 min 51 s
